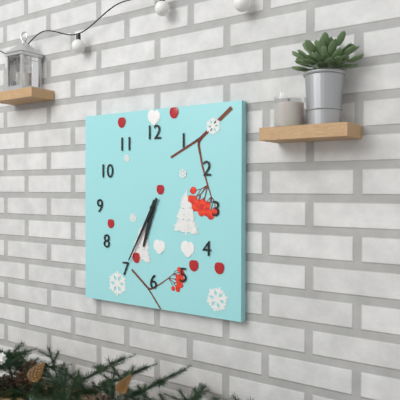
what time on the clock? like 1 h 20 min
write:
6 h 35 min
